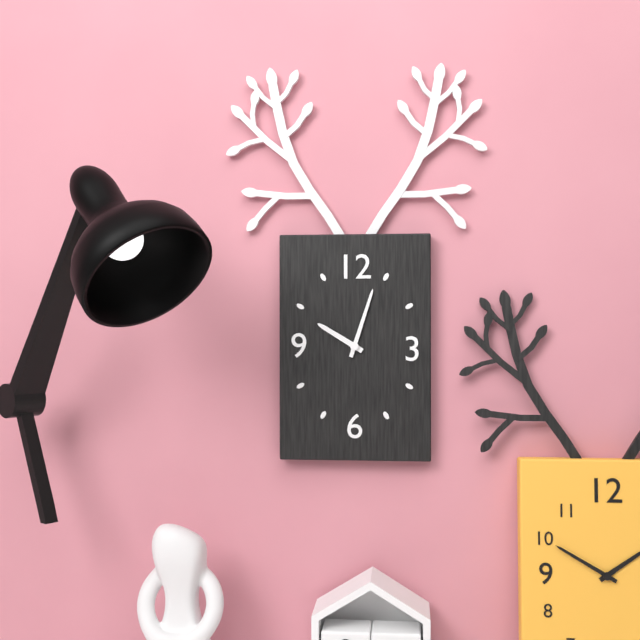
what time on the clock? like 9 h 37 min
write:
10 h 03 min
